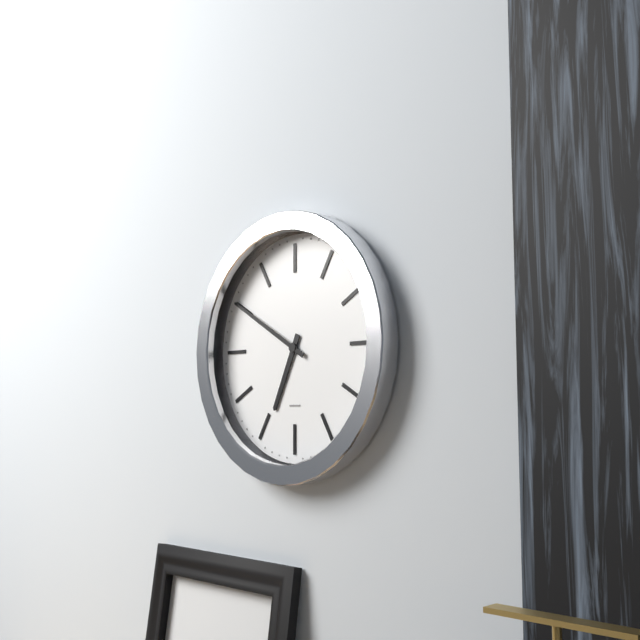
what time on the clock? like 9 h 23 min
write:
6 h 50 min
